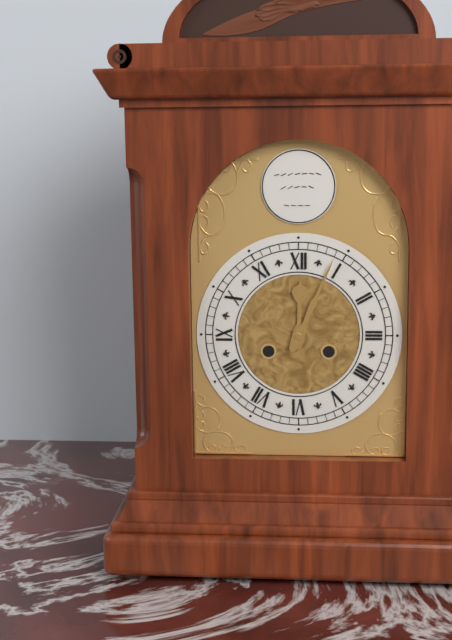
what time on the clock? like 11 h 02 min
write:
12 h 04 min
